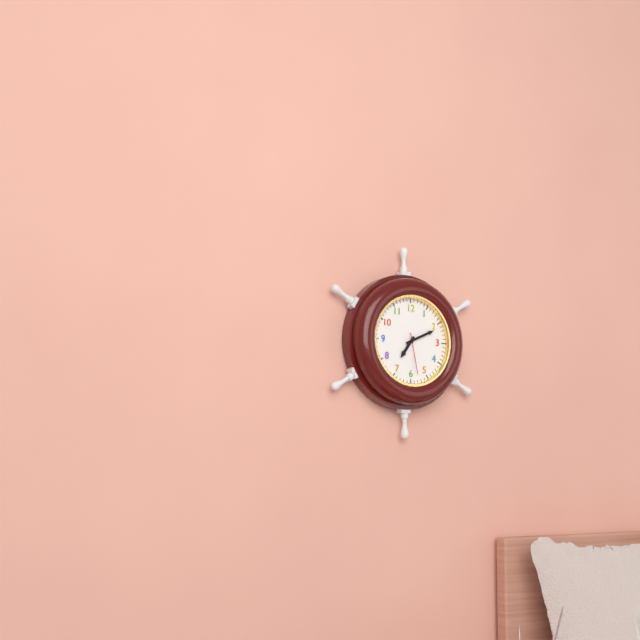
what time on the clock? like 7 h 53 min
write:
7 h 11 min
